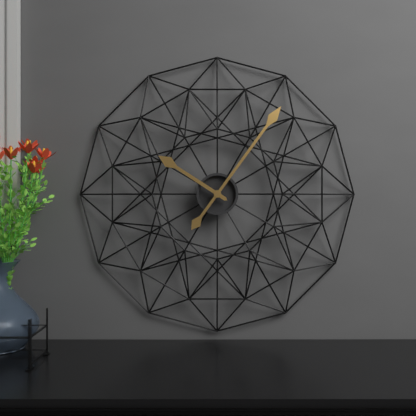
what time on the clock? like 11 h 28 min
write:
10 h 06 min
